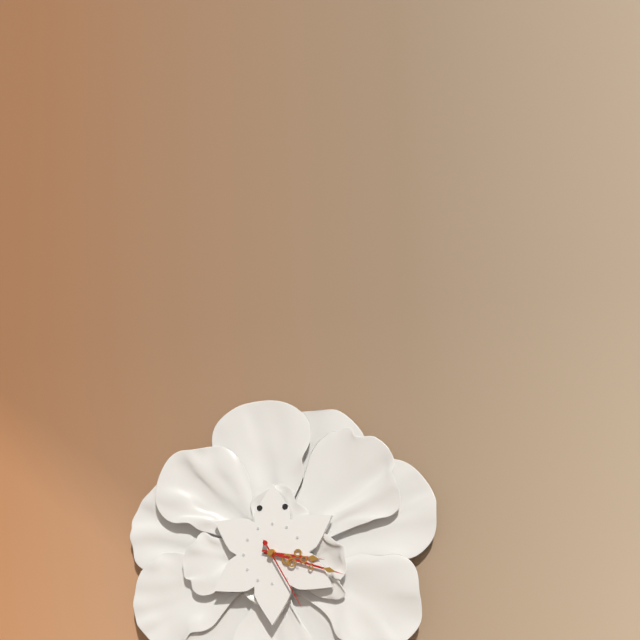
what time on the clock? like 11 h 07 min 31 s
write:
3 h 18 min 25 s
